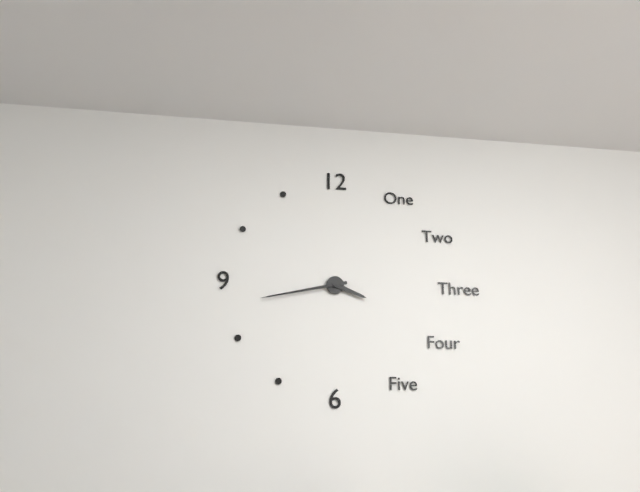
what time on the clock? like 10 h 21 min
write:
3 h 43 min
